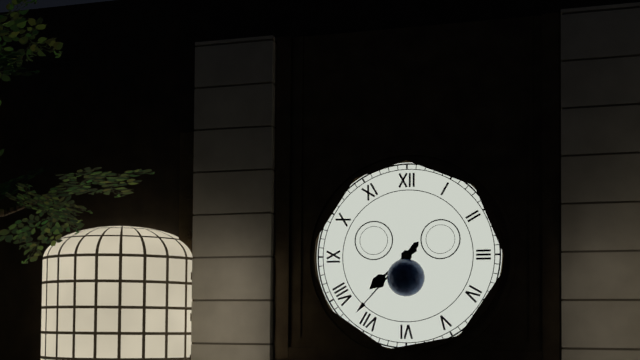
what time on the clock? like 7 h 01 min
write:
7 h 37 min
